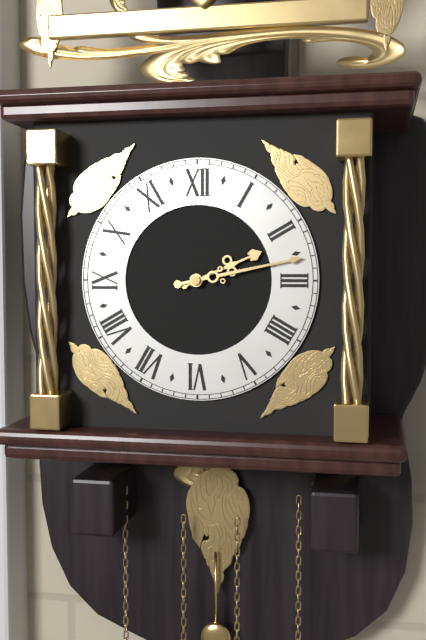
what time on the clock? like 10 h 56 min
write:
2 h 13 min
